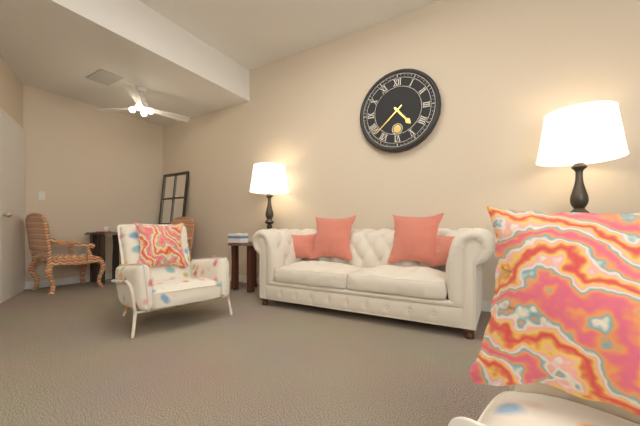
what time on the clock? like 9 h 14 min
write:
4 h 38 min
